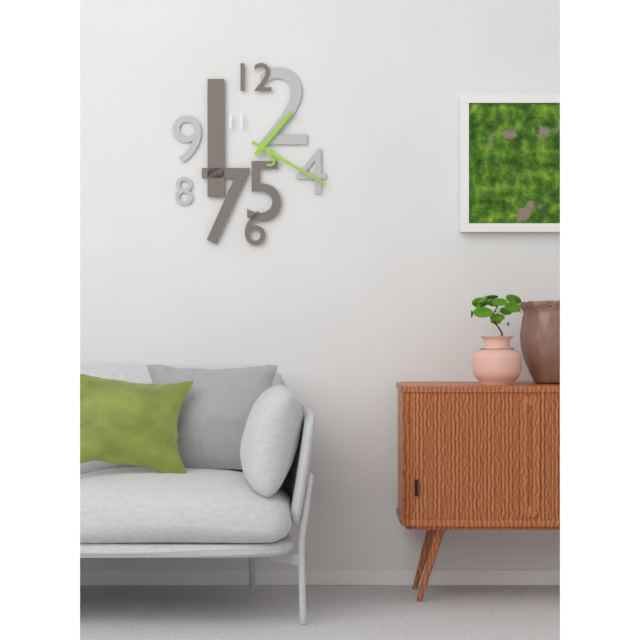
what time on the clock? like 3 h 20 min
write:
1 h 20 min
